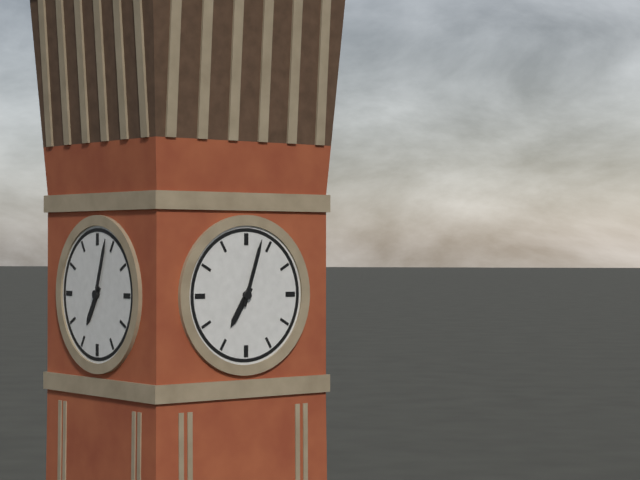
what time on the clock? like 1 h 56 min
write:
7 h 03 min
